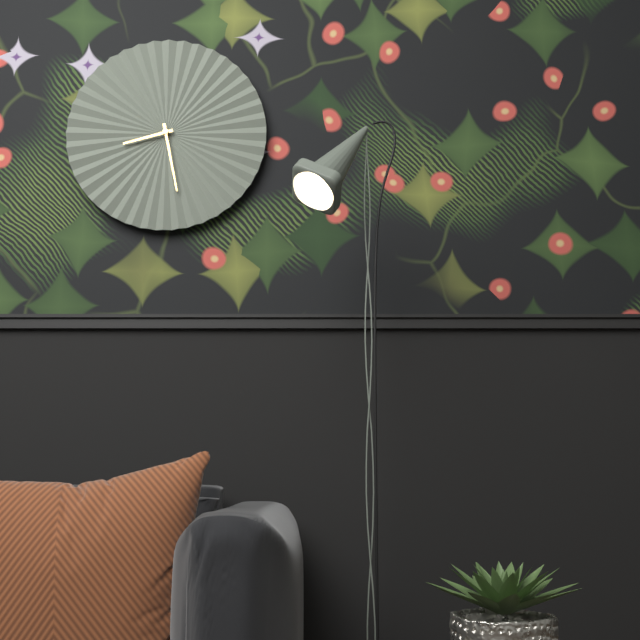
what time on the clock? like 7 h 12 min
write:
8 h 28 min
